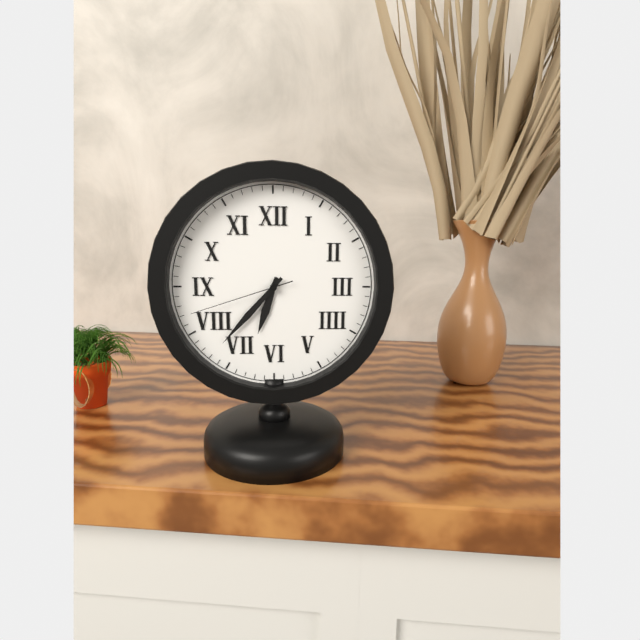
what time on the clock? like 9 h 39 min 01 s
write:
6 h 37 min 42 s
